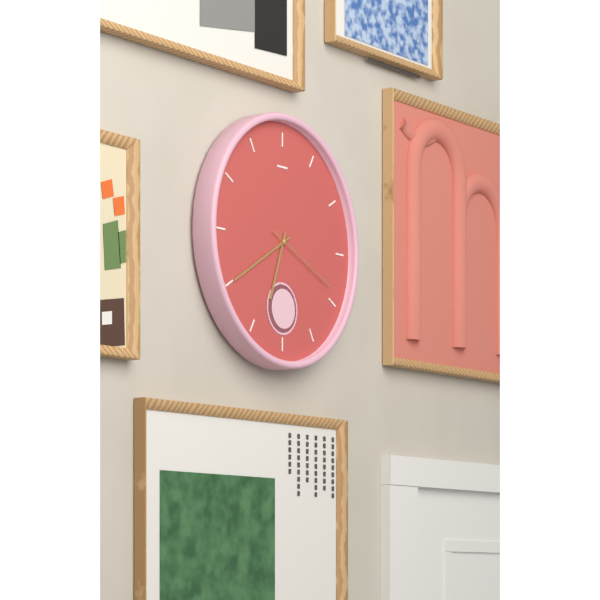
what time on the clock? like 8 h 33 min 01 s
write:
6 h 40 min 19 s
